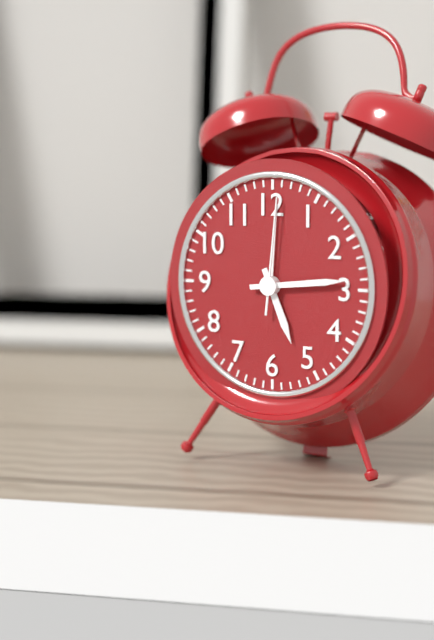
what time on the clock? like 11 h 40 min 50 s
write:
5 h 14 min 01 s
